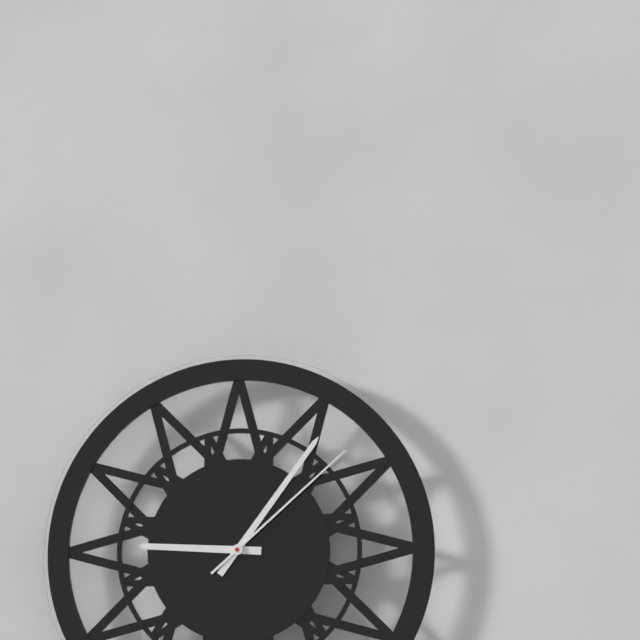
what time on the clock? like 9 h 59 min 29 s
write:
9 h 06 min 08 s
